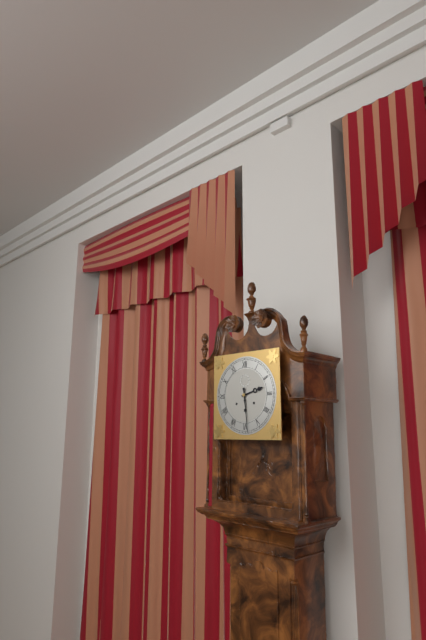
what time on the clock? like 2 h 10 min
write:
2 h 29 min
